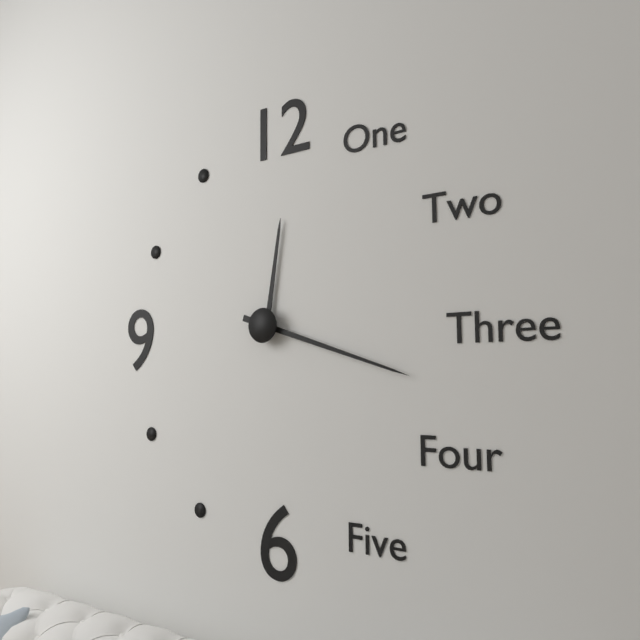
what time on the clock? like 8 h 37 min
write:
12 h 18 min
